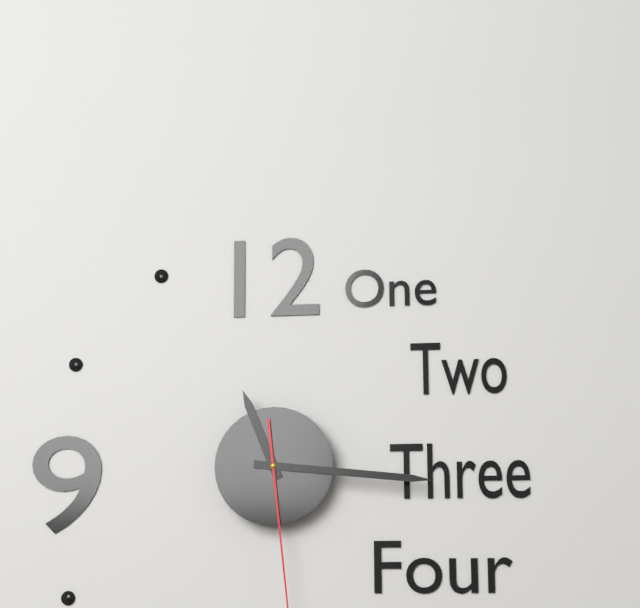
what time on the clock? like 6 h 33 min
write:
11 h 16 min
